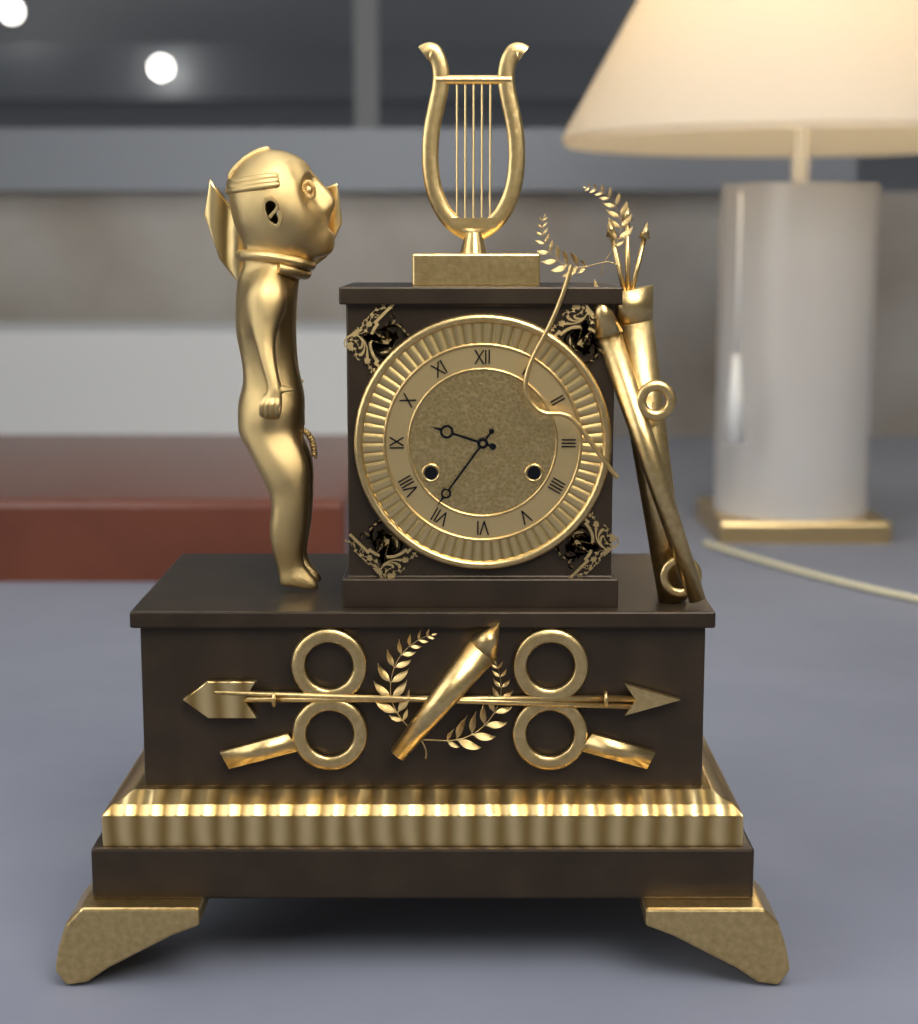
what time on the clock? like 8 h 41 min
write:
9 h 36 min
